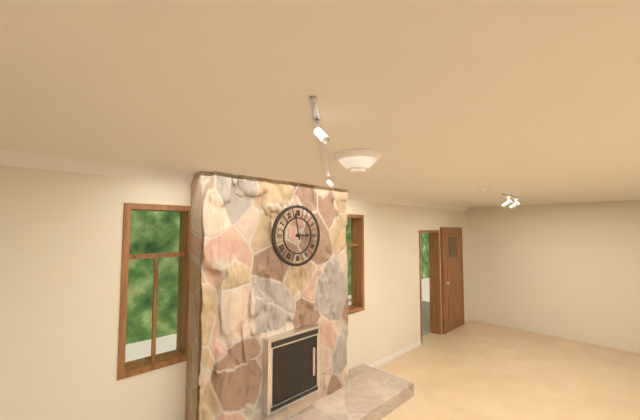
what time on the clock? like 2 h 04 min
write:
2 h 58 min
